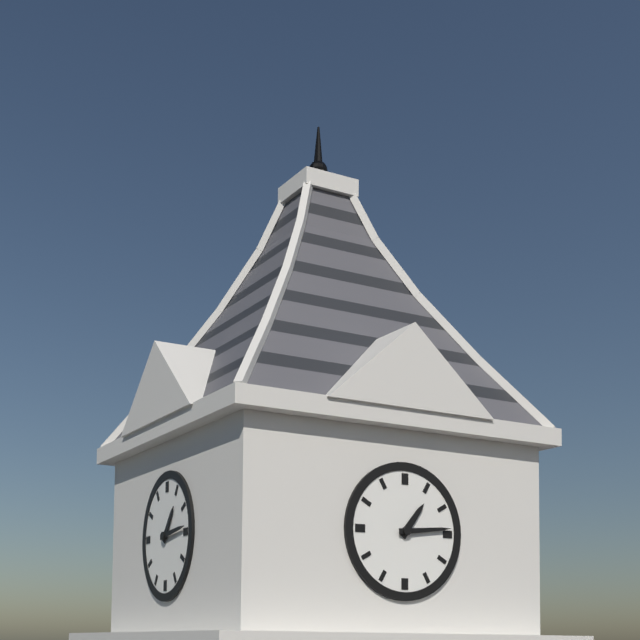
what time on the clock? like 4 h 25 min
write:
1 h 14 min
